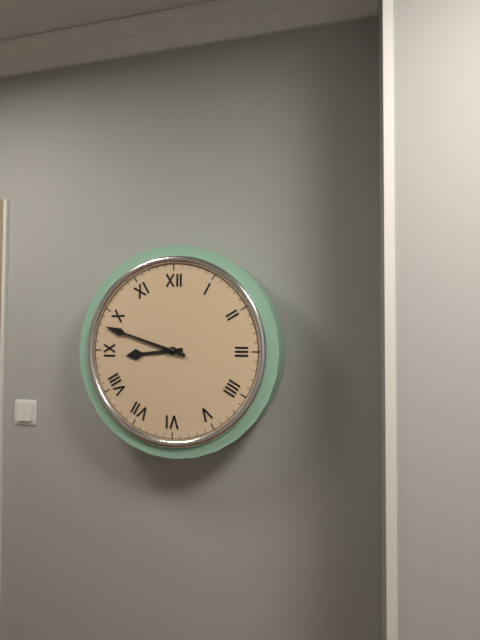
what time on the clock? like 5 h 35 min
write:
8 h 48 min
